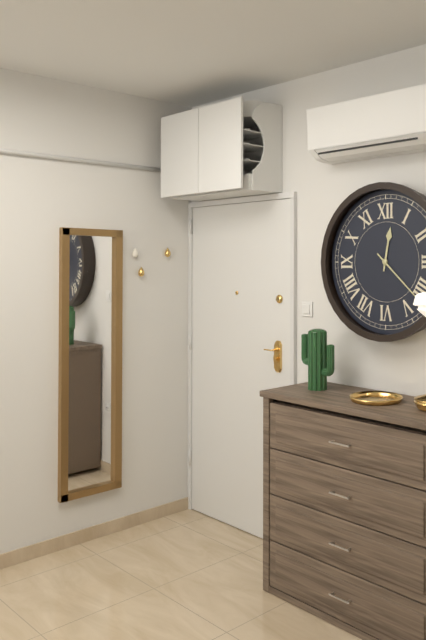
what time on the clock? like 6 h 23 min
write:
12 h 22 min
